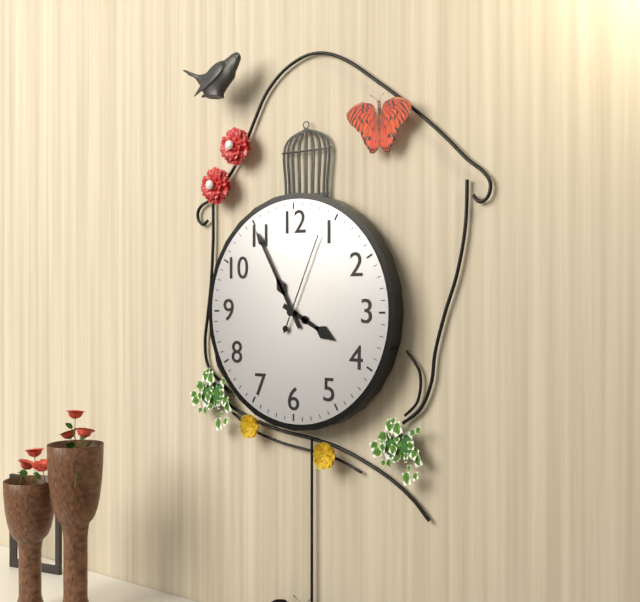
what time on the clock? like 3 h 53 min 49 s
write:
3 h 55 min 04 s
